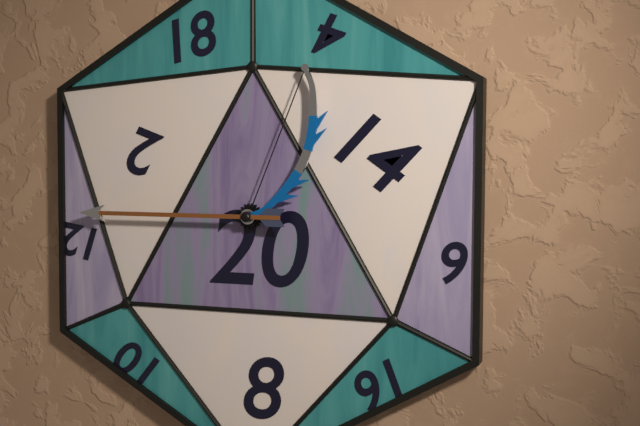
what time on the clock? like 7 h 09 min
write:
12 h 45 min
